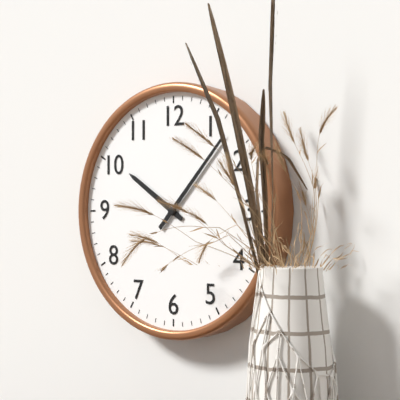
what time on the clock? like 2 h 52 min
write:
10 h 07 min
